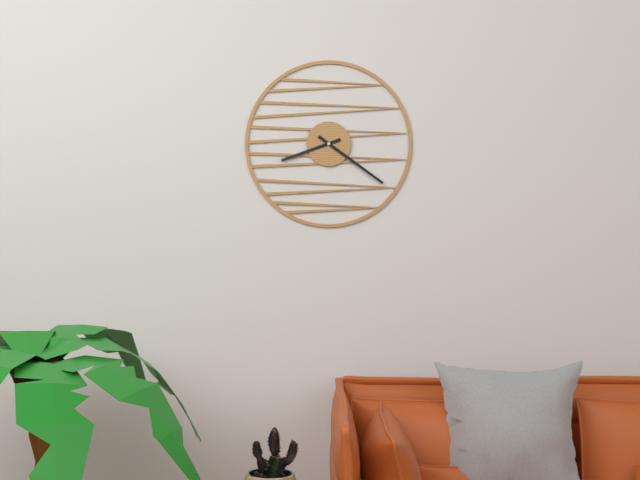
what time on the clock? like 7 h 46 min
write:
8 h 21 min
